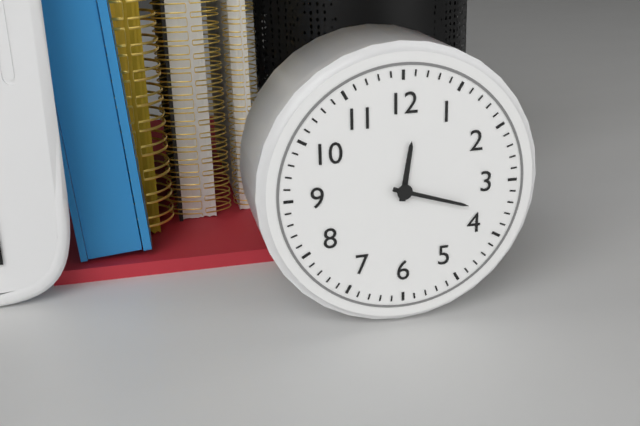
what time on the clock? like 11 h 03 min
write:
12 h 18 min
